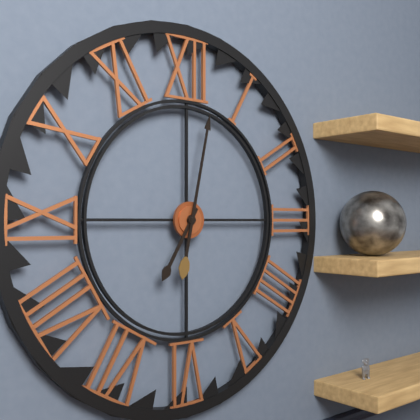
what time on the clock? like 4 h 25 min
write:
7 h 02 min
